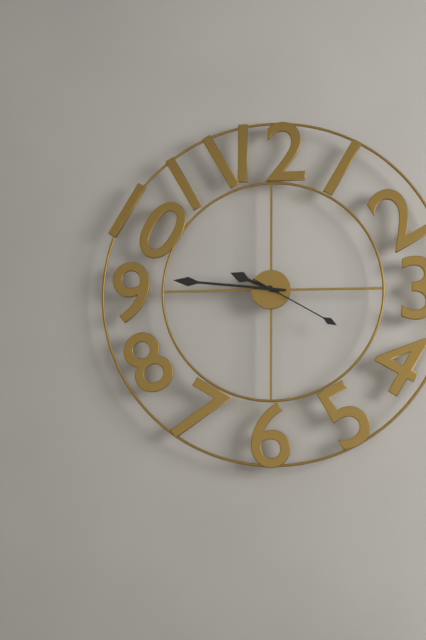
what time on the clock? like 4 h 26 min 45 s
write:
9 h 46 min 20 s
